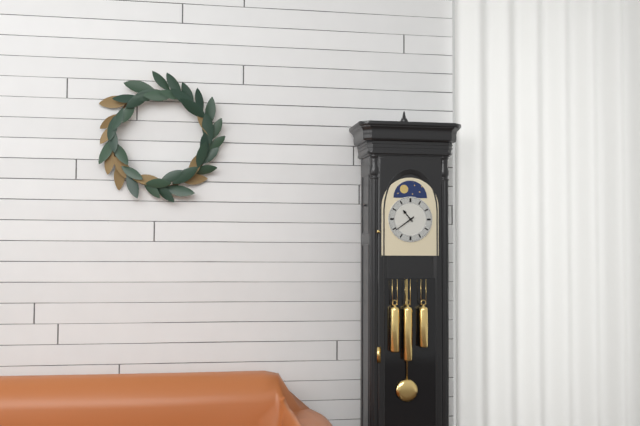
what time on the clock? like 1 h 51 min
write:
10 h 39 min
